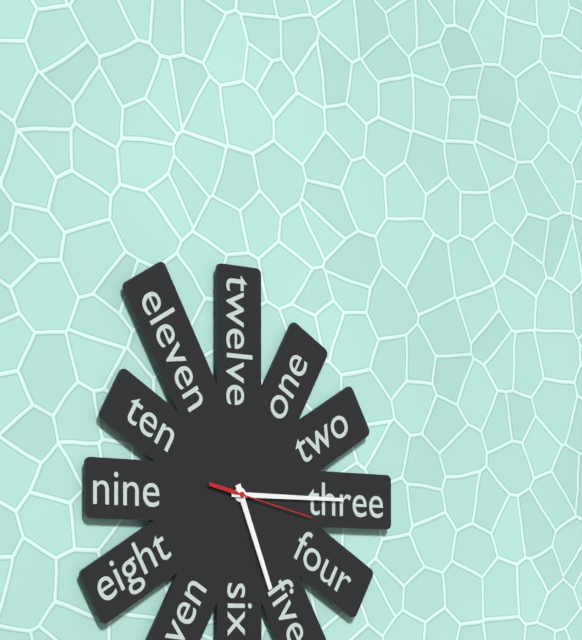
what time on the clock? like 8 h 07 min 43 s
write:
5 h 15 min 17 s
